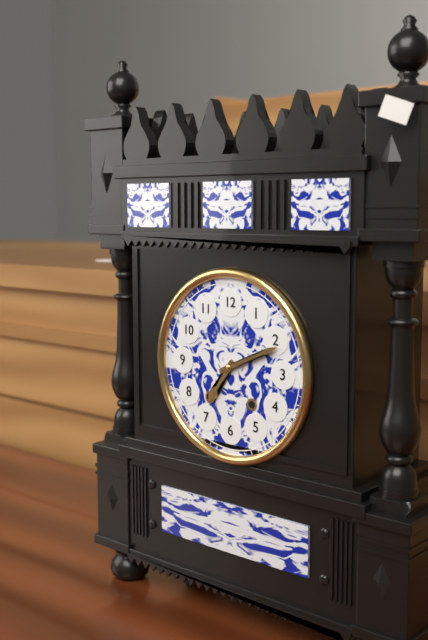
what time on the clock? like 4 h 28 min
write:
7 h 11 min
